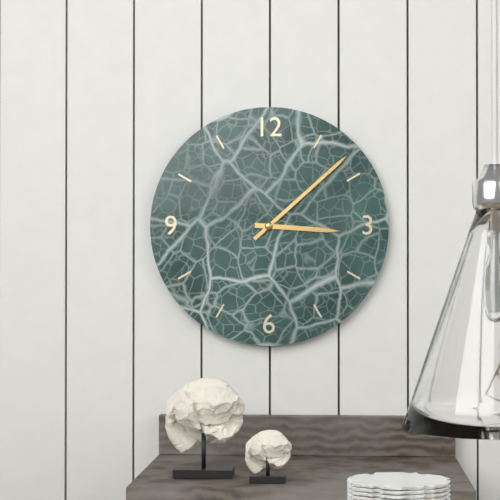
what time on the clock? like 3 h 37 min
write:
3 h 08 min
